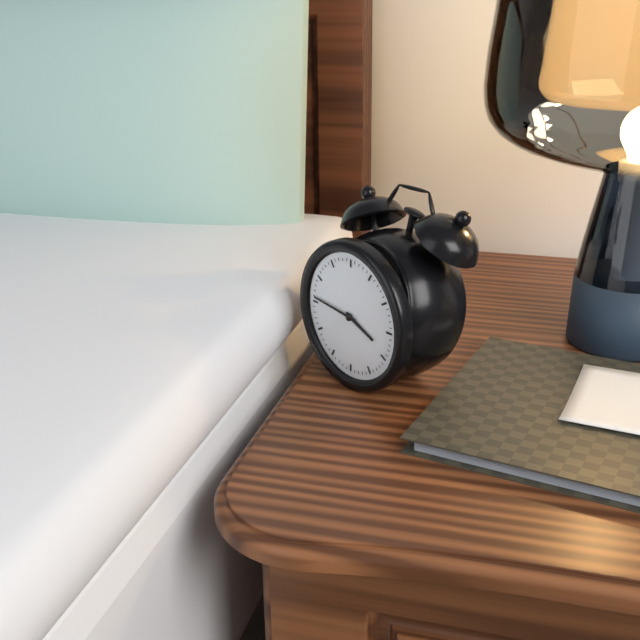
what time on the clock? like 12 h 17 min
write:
3 h 46 min
